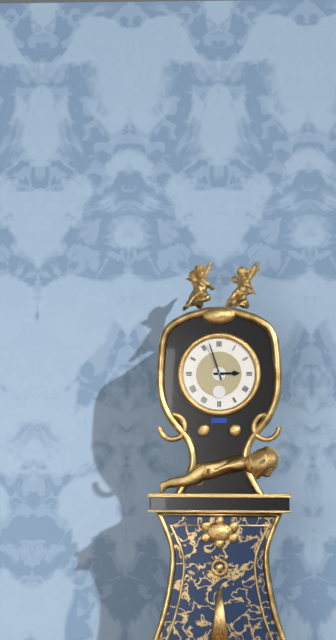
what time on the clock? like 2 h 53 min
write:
2 h 57 min
